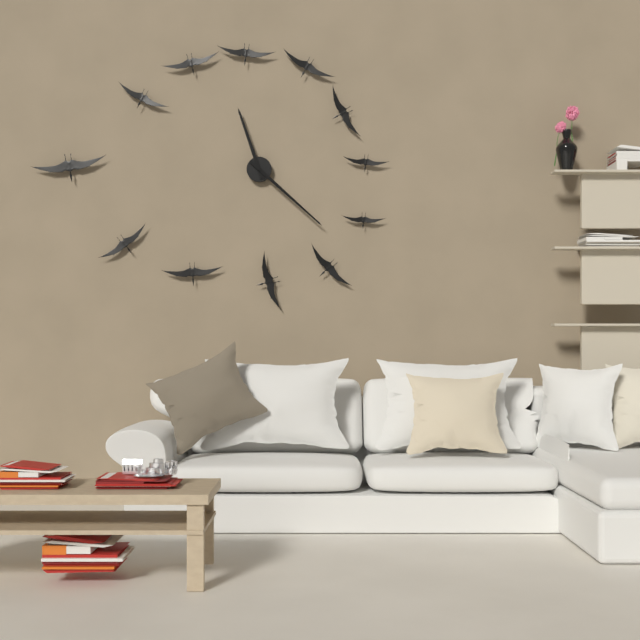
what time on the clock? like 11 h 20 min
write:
11 h 22 min
